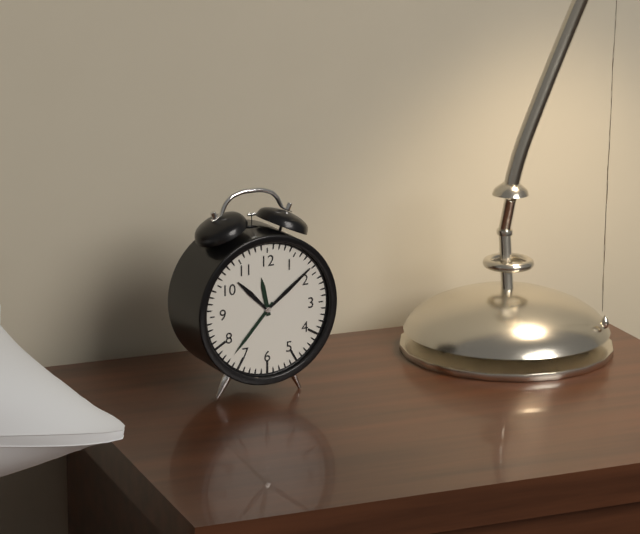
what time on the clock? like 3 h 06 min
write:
11 h 37 min
